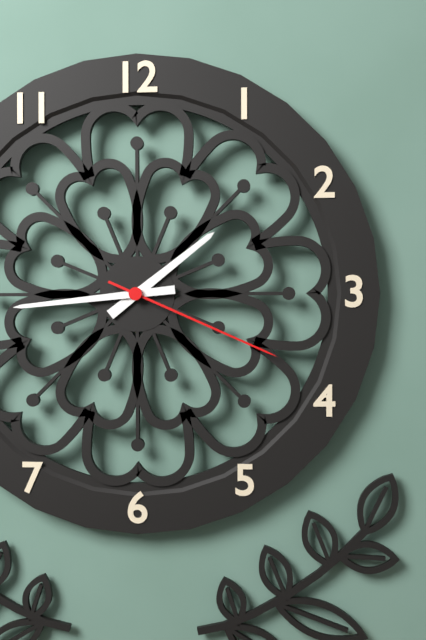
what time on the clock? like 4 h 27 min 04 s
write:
1 h 44 min 19 s
